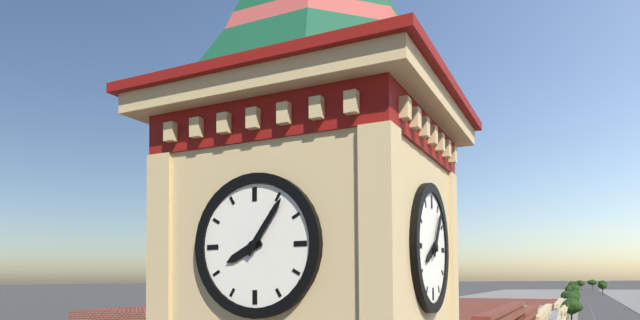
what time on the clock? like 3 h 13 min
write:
8 h 06 min
